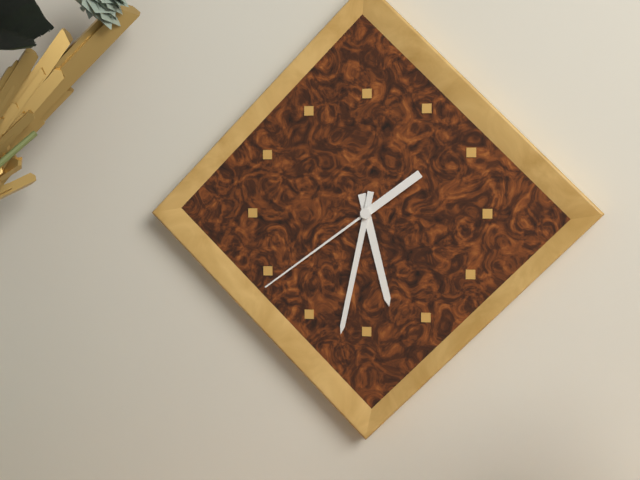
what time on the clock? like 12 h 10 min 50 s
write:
5 h 32 min 39 s
